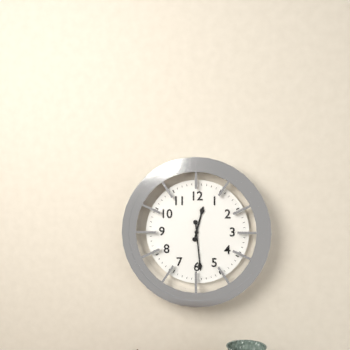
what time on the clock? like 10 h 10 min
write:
12 h 29 min
